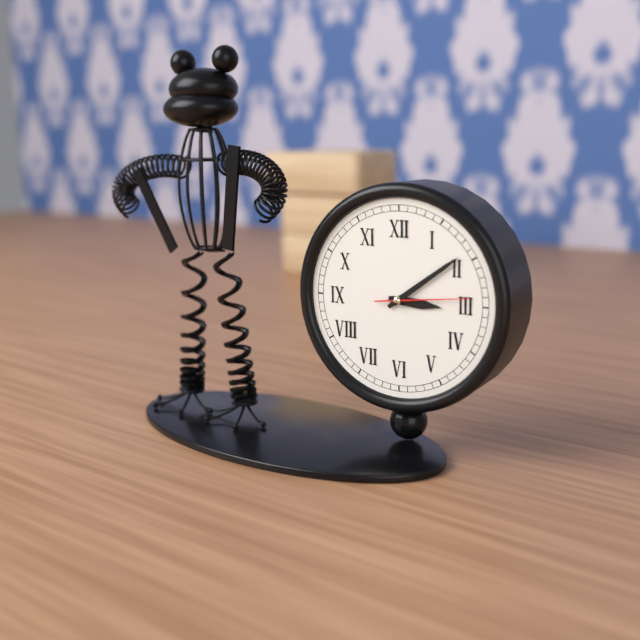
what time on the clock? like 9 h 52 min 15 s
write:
3 h 09 min 14 s
